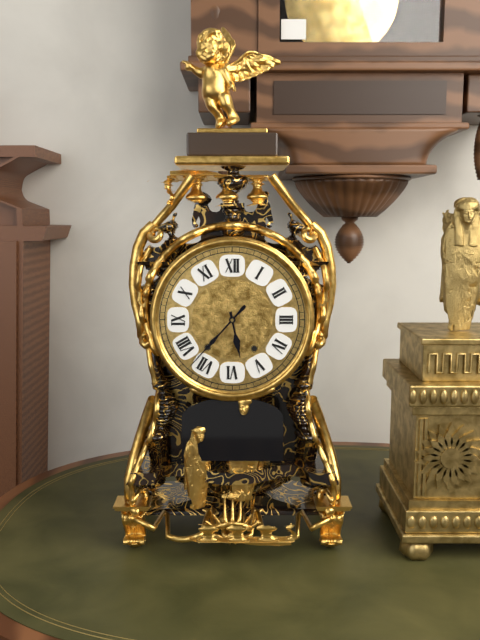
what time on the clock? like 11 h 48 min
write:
5 h 37 min
